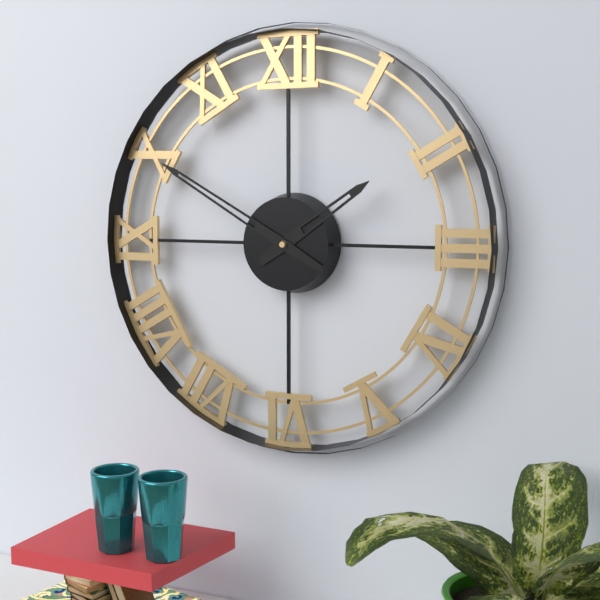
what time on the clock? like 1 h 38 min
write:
1 h 50 min
